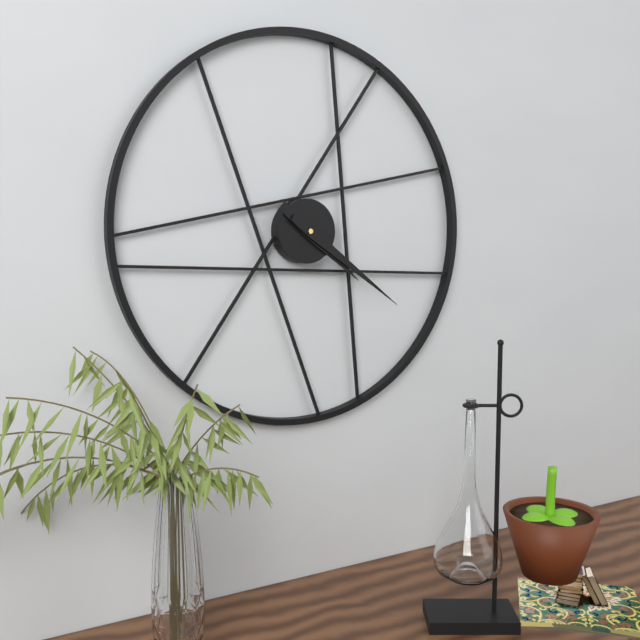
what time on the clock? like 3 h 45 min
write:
4 h 21 min
